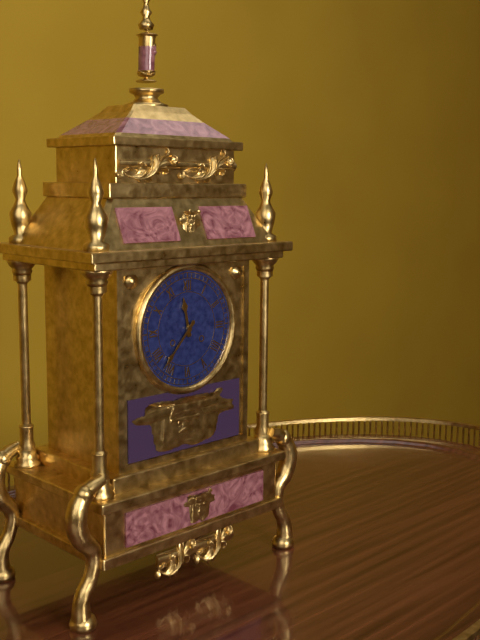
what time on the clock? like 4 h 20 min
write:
11 h 37 min
